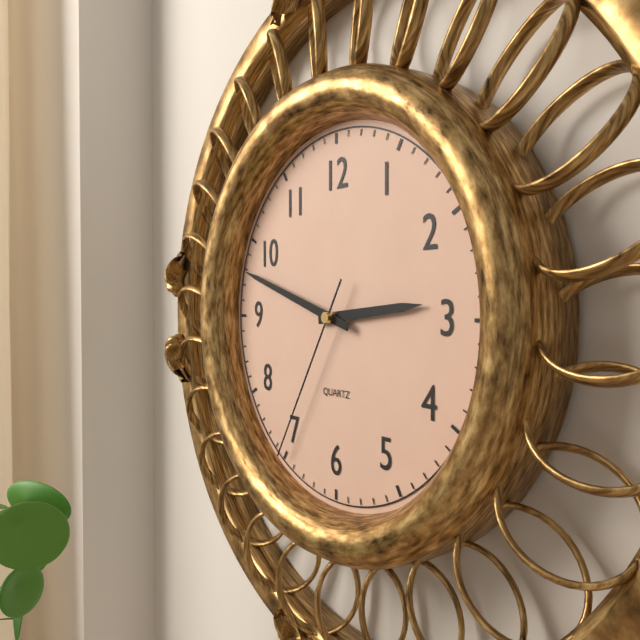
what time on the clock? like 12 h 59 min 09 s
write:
2 h 48 min 35 s
